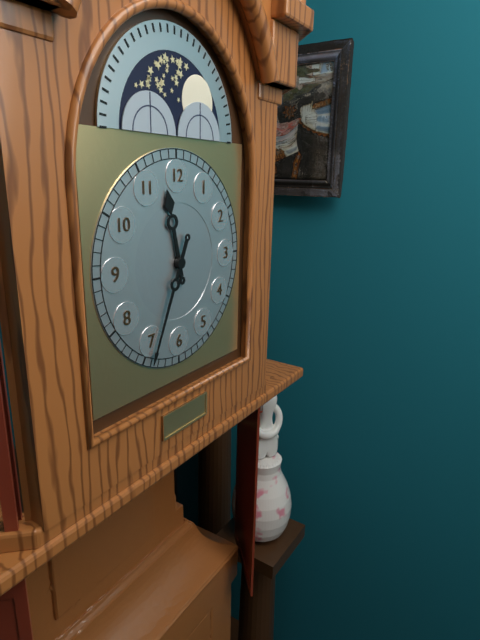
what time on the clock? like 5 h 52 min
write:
11 h 34 min
